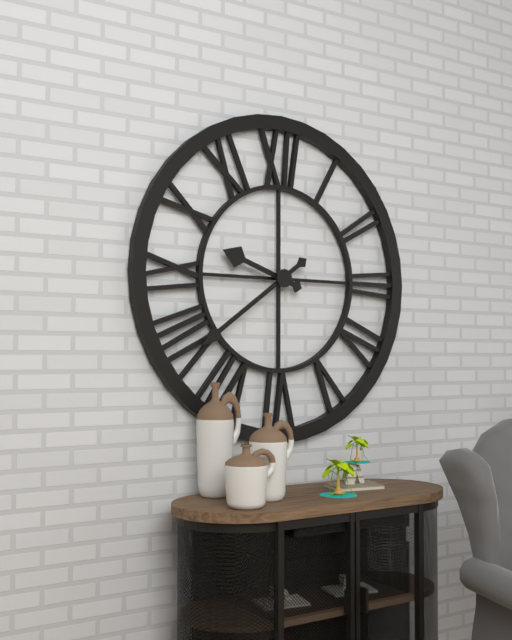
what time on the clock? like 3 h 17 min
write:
9 h 39 min
